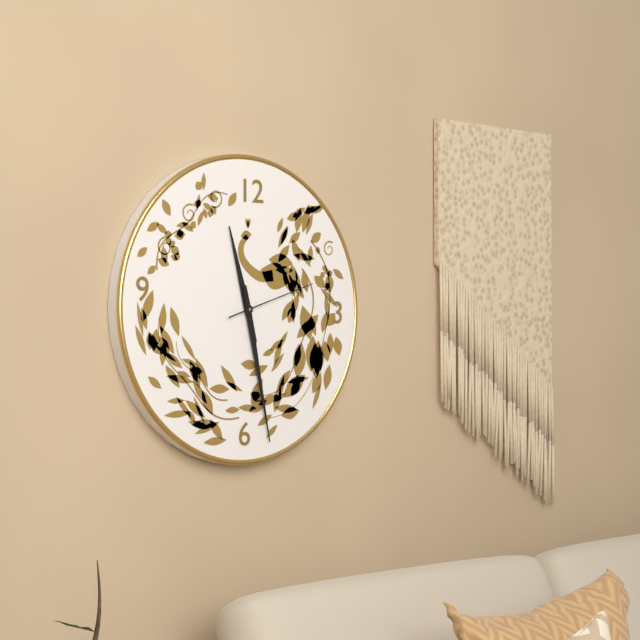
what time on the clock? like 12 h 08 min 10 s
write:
11 h 28 min 12 s
